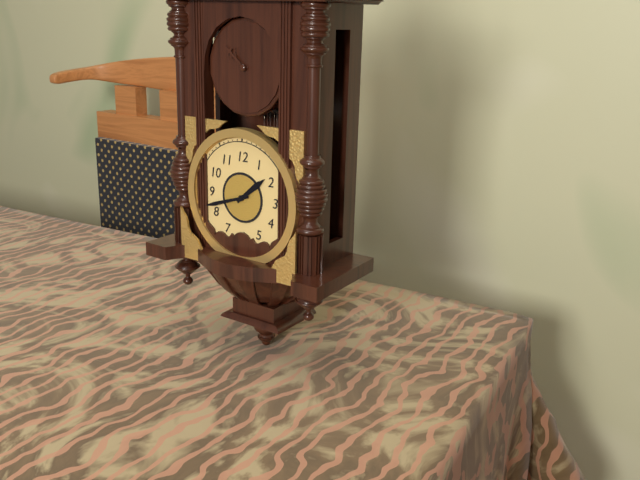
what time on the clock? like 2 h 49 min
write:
1 h 42 min
